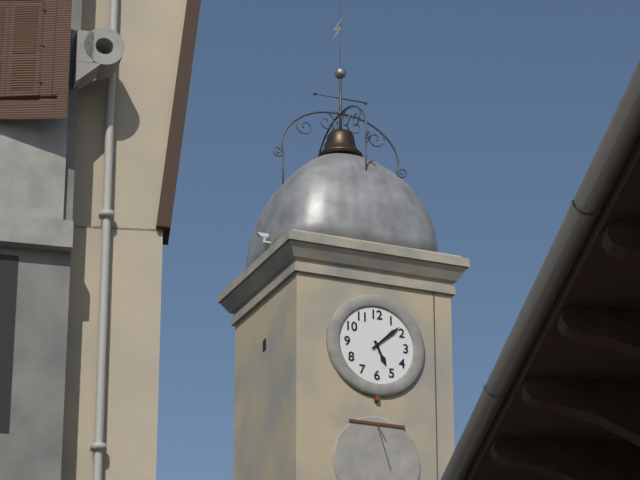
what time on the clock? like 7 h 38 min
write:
5 h 08 min
